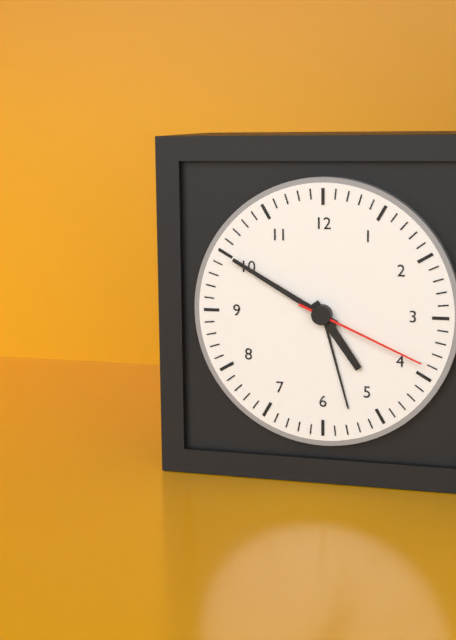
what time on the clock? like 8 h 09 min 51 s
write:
4 h 50 min 19 s
